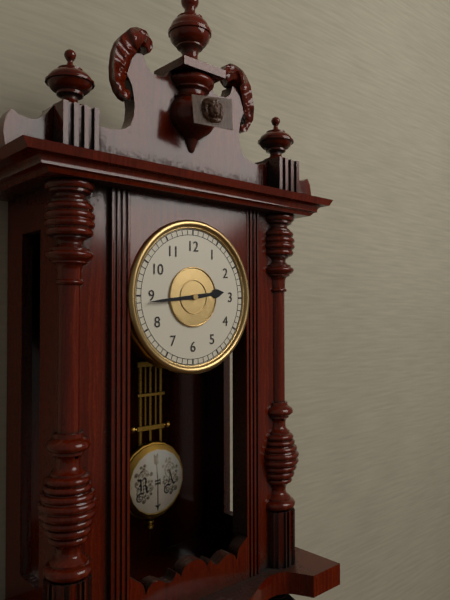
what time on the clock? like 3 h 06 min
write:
2 h 44 min
